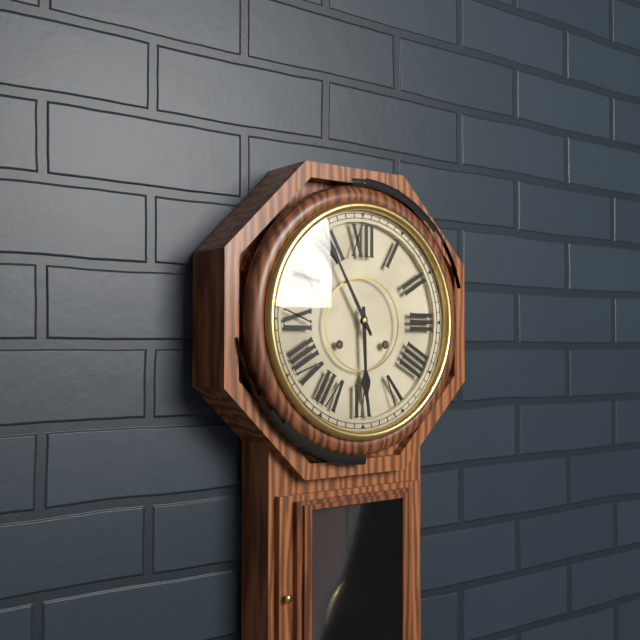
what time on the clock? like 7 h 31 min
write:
5 h 55 min
